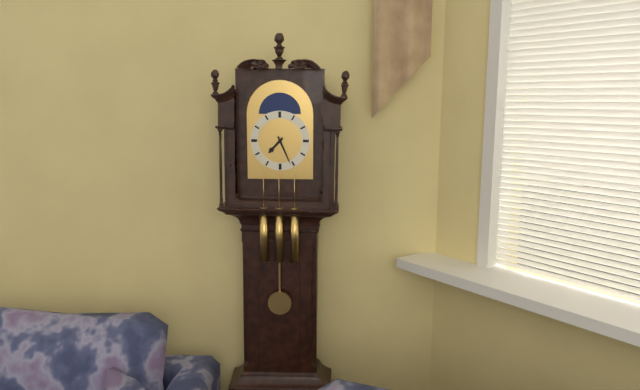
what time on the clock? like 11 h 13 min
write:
7 h 26 min
